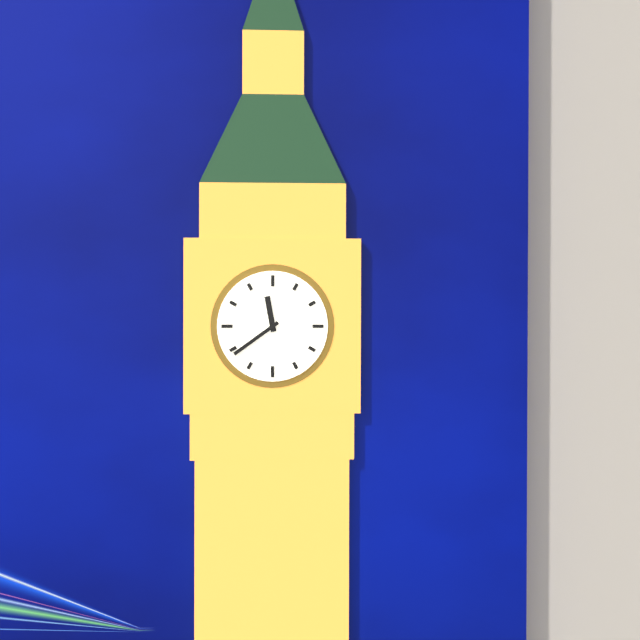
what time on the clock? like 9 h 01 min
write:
11 h 39 min
